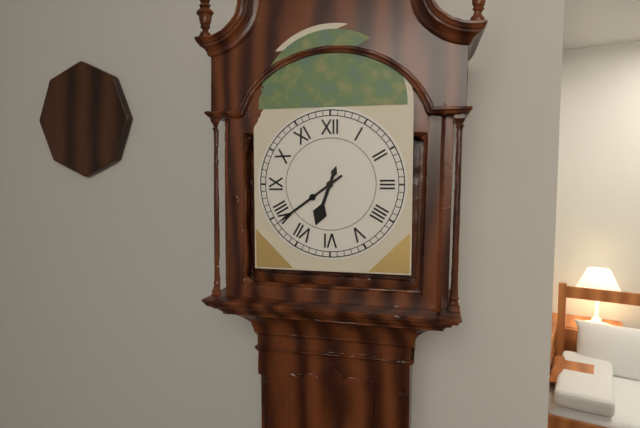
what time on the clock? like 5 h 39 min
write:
6 h 39 min
